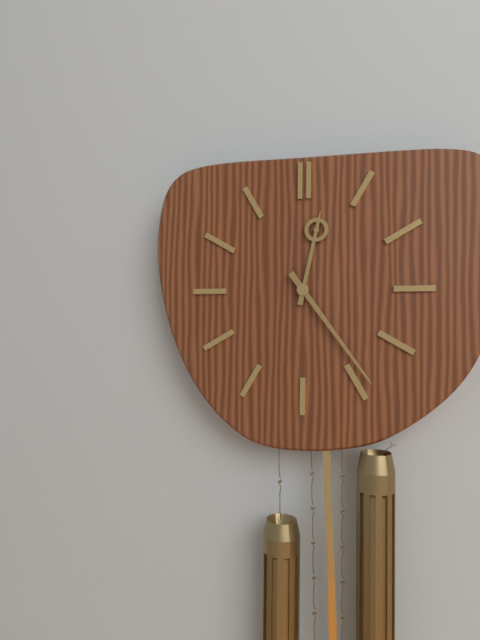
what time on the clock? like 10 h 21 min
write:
12 h 24 min
